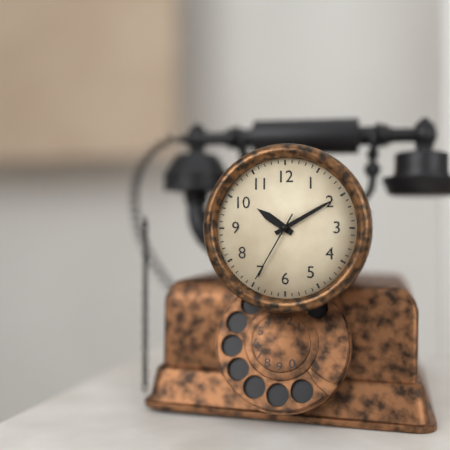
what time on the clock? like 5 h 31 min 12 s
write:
10 h 10 min 35 s
